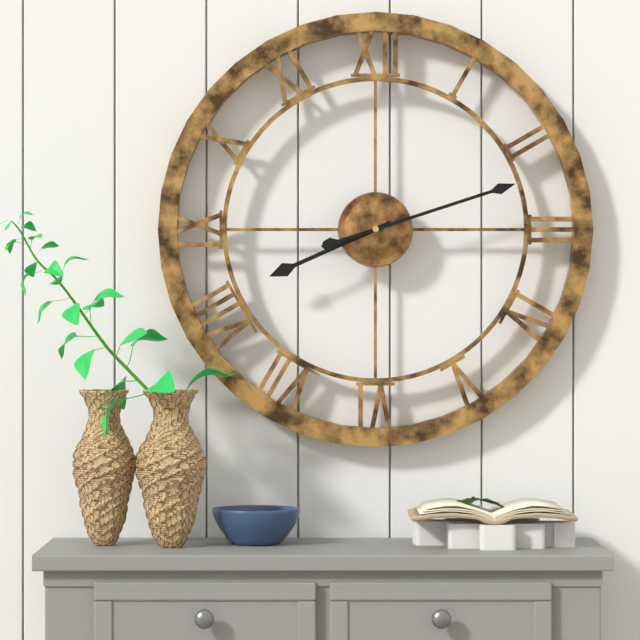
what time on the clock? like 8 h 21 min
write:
8 h 12 min
